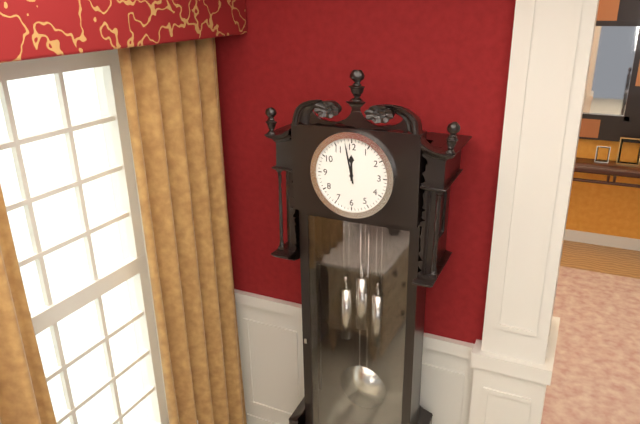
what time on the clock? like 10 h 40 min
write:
11 h 58 min
